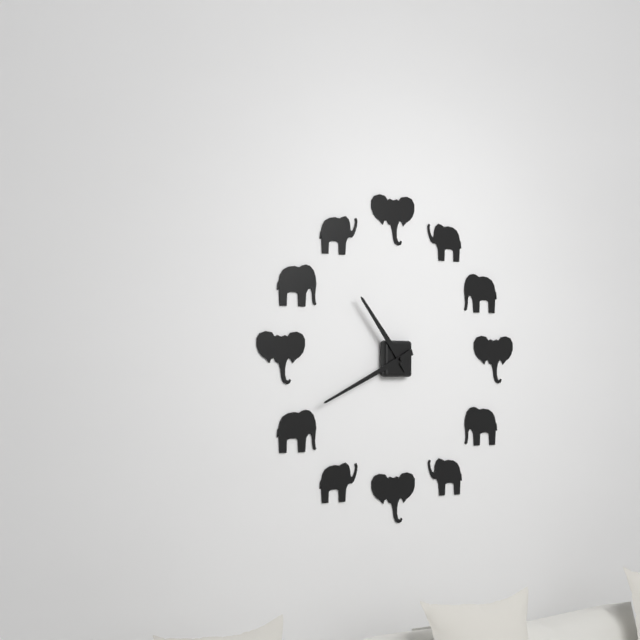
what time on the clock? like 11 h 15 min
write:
10 h 41 min
